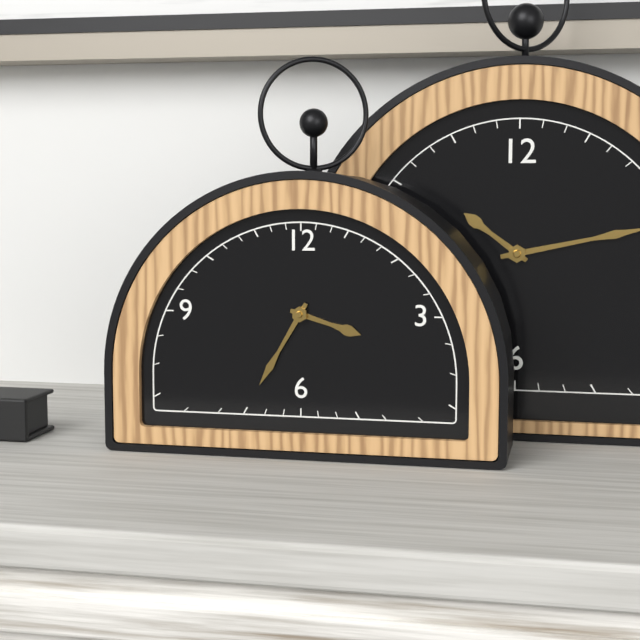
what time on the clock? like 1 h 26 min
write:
3 h 35 min
